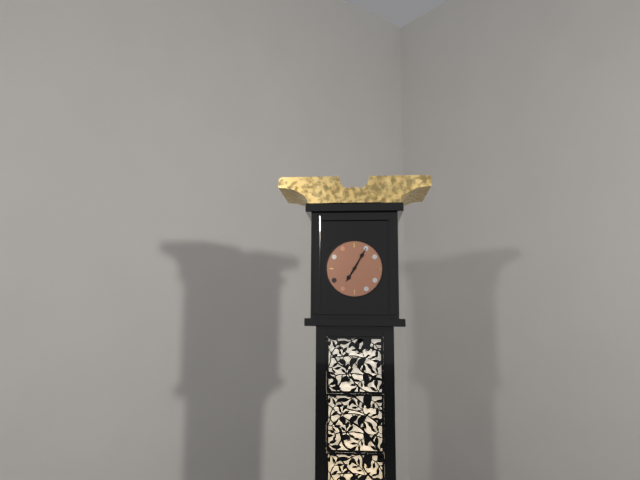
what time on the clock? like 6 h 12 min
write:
7 h 05 min
